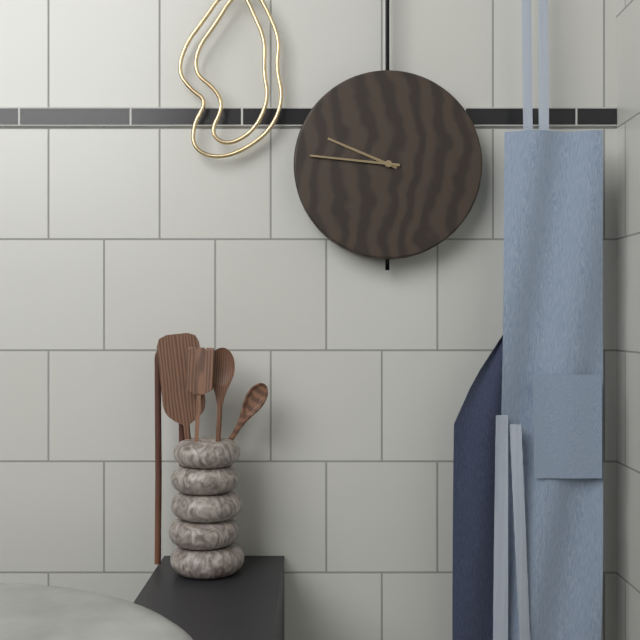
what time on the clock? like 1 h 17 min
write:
9 h 46 min
